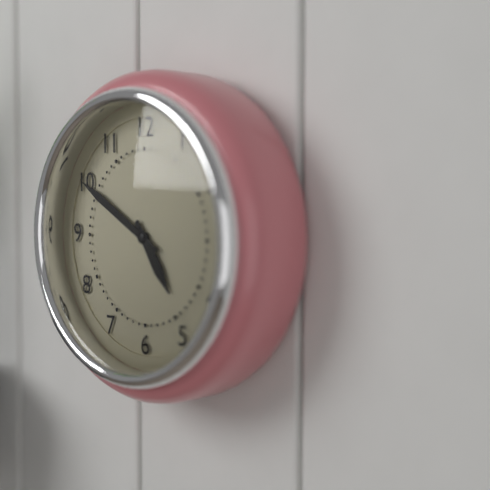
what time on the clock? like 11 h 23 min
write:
4 h 50 min
